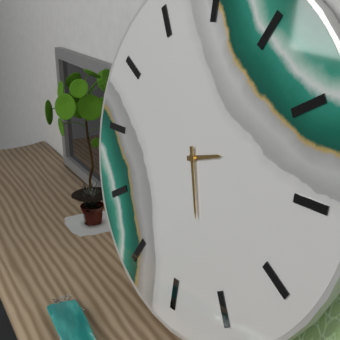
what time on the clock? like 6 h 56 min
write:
2 h 27 min
